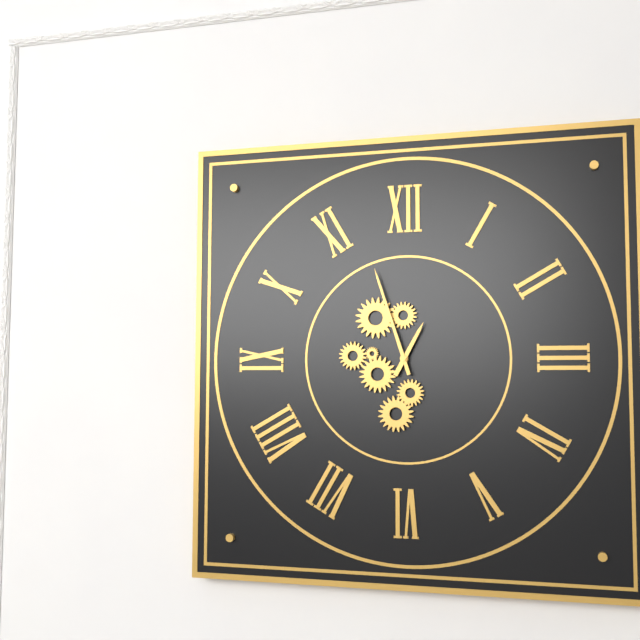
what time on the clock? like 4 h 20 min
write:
12 h 57 min
